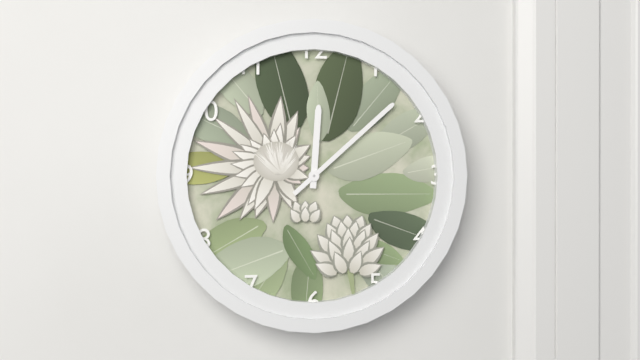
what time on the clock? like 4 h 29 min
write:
12 h 08 min
